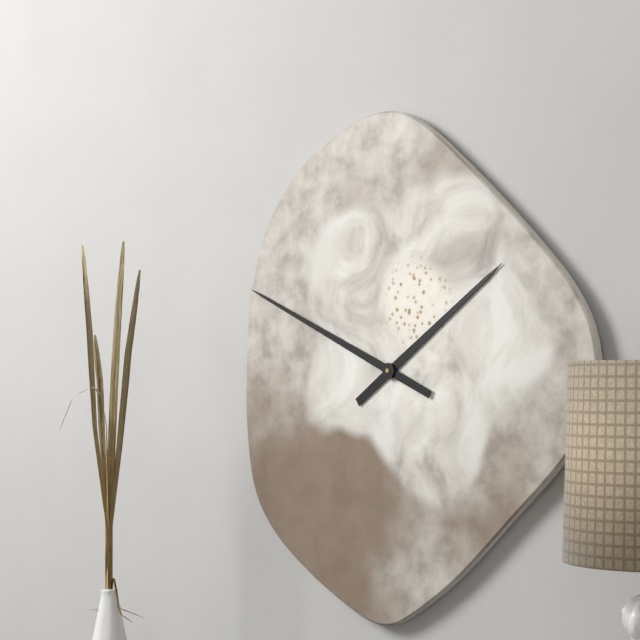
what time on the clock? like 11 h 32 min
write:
1 h 49 min
